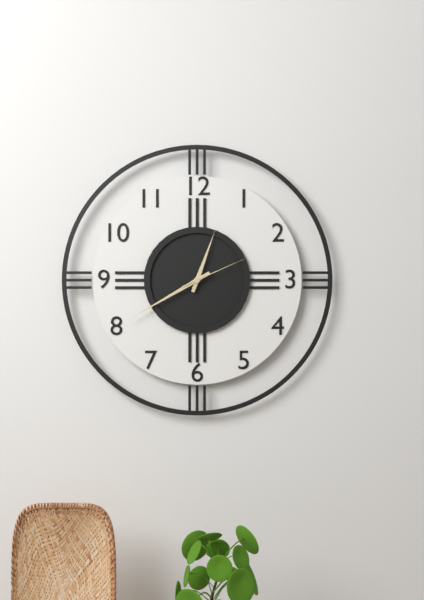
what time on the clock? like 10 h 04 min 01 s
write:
12 h 40 min 11 s
